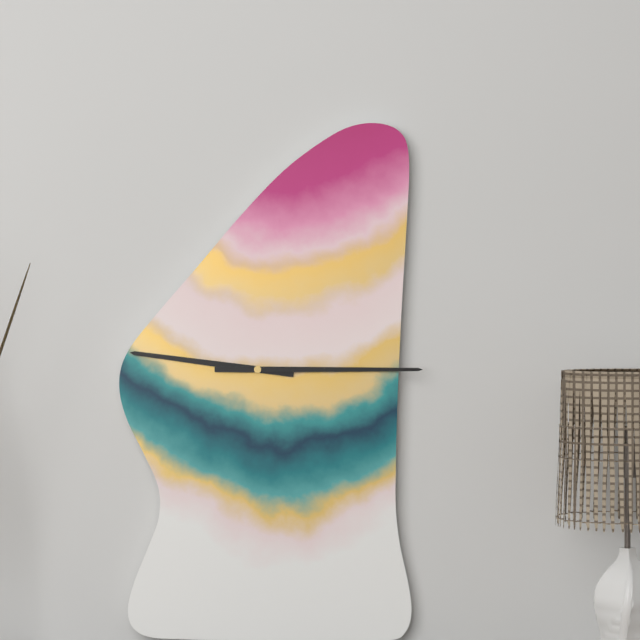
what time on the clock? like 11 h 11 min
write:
9 h 15 min
